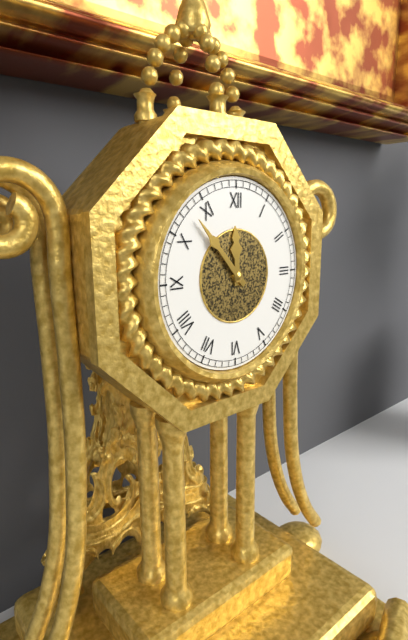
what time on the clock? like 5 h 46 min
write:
11 h 53 min
